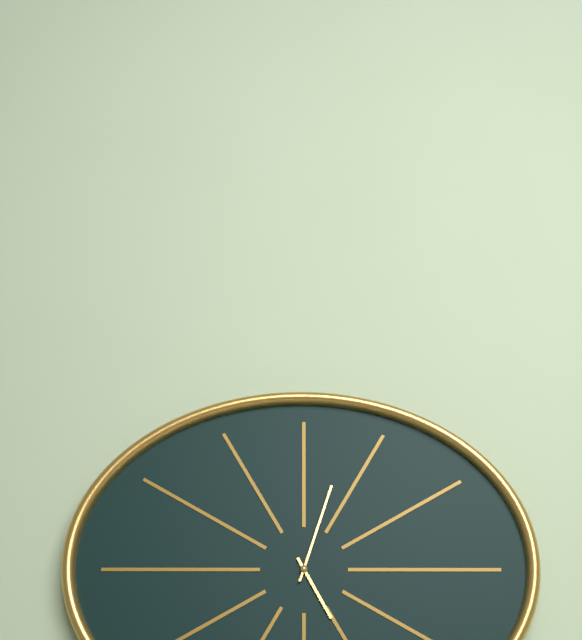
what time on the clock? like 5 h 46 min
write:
5 h 03 min
